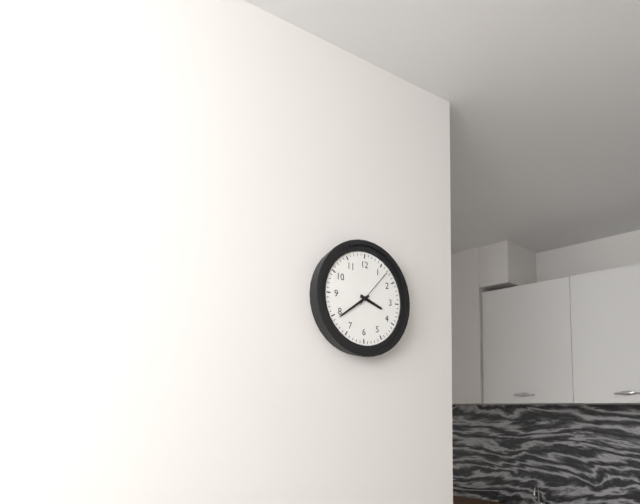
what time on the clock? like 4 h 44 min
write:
3 h 39 min
